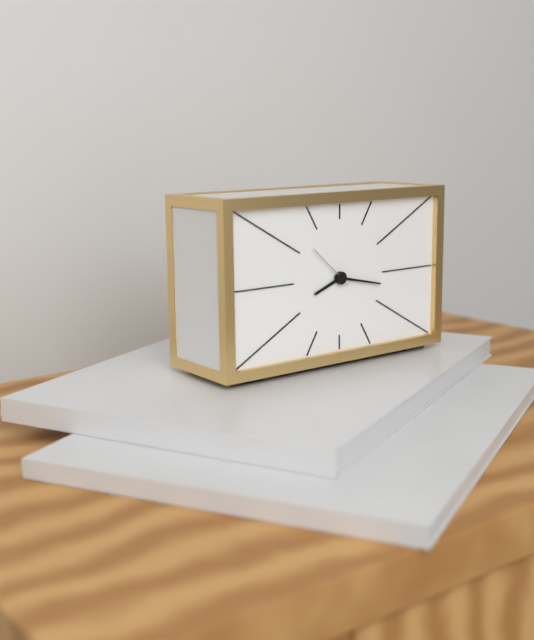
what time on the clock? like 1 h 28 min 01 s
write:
8 h 17 min 52 s
